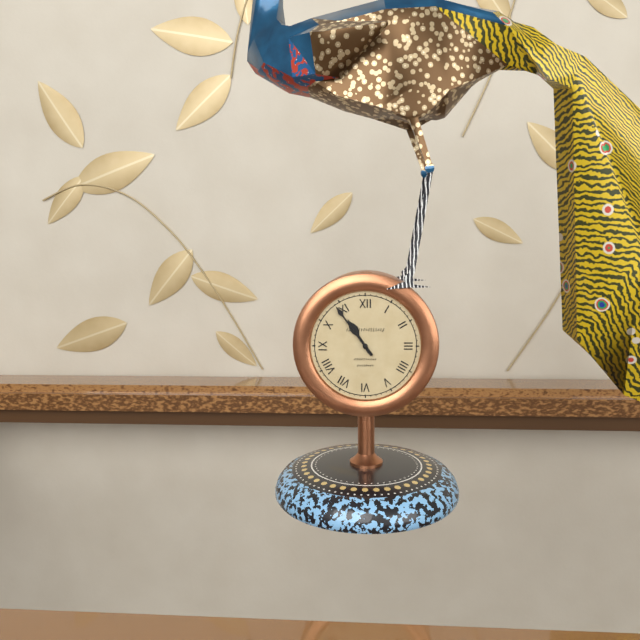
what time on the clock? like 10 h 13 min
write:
10 h 54 min
